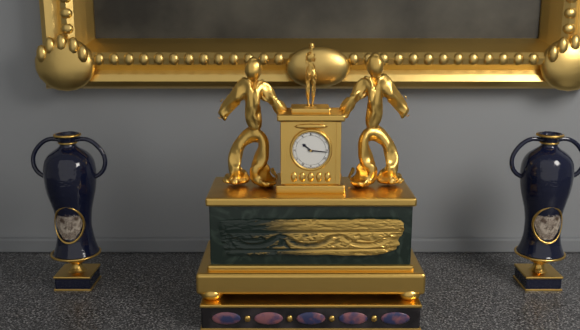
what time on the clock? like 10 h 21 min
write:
10 h 16 min
